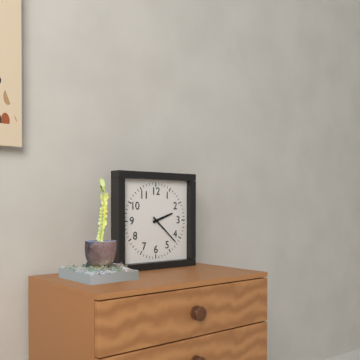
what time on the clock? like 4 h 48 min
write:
2 h 22 min
